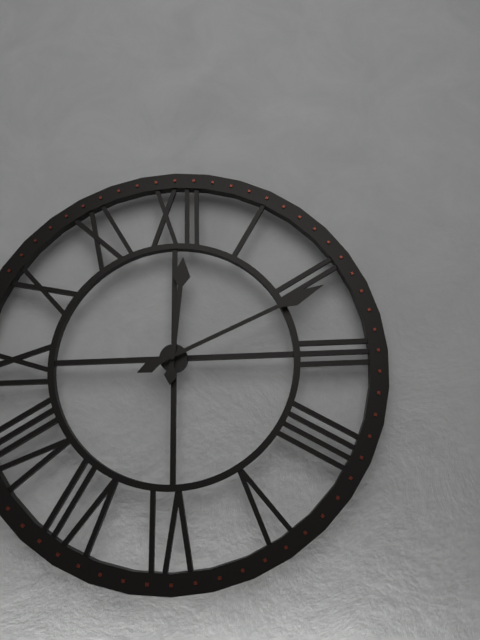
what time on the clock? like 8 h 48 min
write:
12 h 11 min
